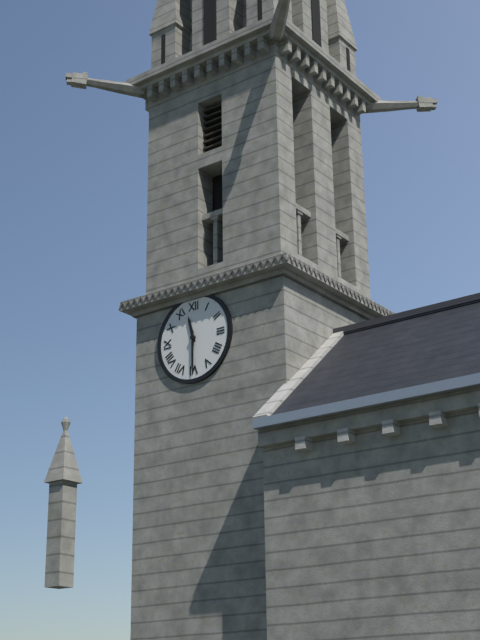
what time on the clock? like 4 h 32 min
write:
11 h 30 min
